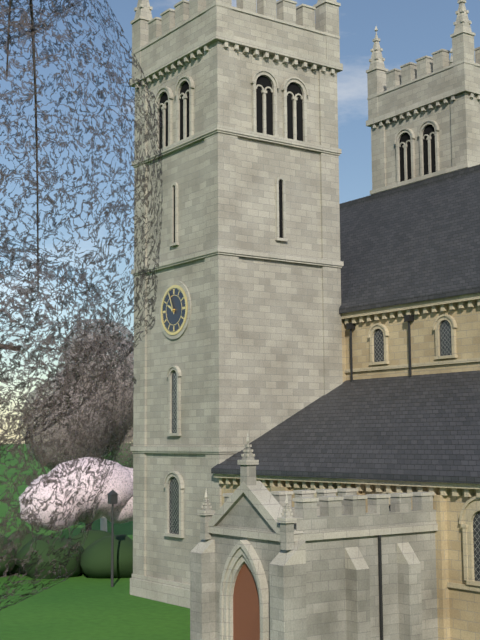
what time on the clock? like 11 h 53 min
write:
9 h 56 min
